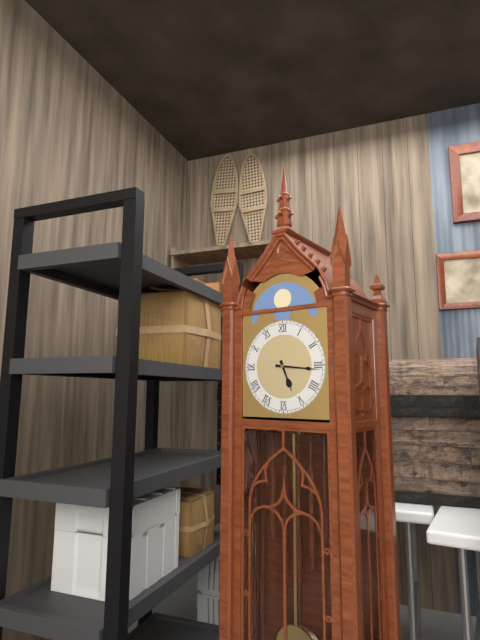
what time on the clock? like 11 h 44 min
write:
5 h 16 min
